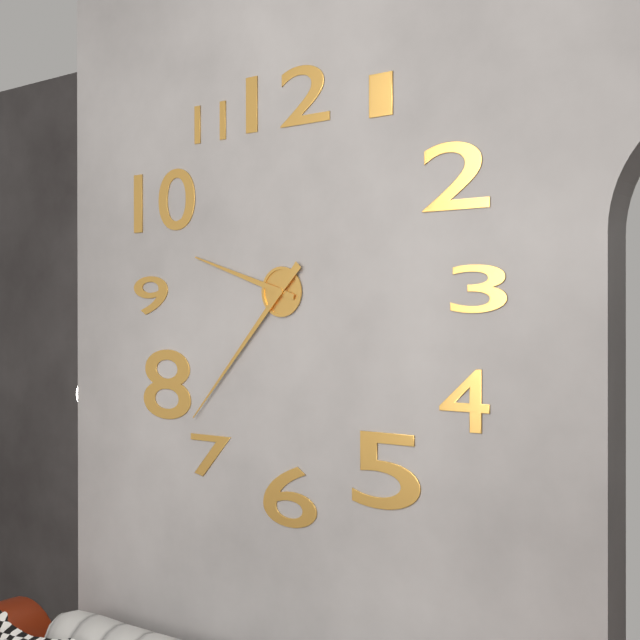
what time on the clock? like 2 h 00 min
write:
9 h 37 min
